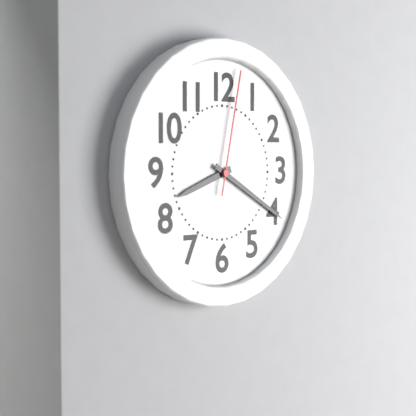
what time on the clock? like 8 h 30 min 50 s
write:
8 h 20 min 02 s
